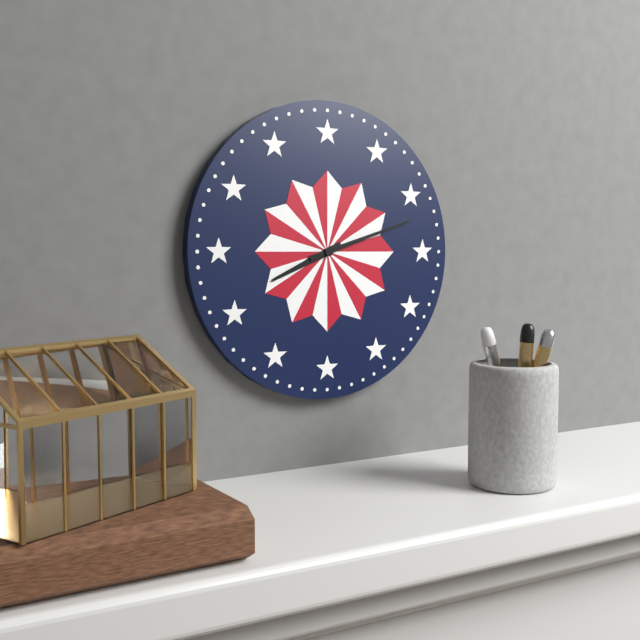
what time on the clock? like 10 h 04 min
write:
8 h 12 min
